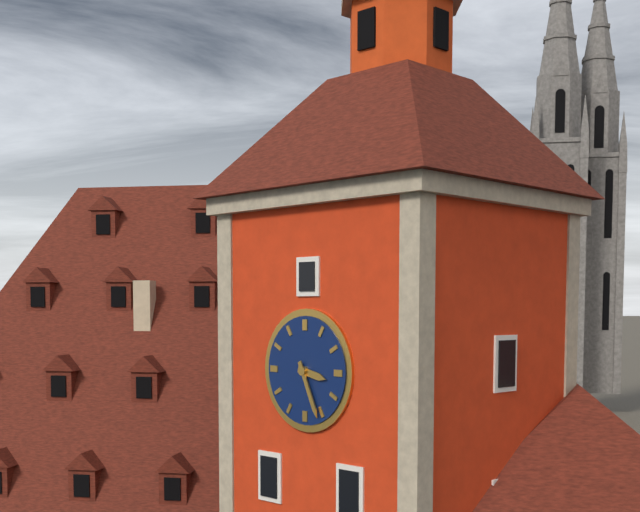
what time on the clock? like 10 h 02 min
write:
3 h 26 min
